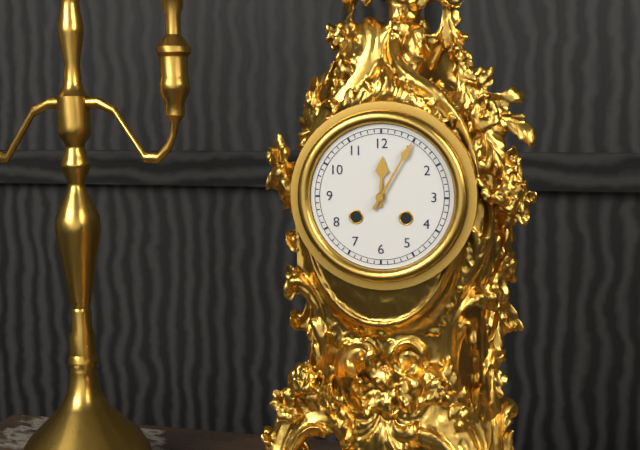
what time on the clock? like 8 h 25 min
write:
12 h 05 min
